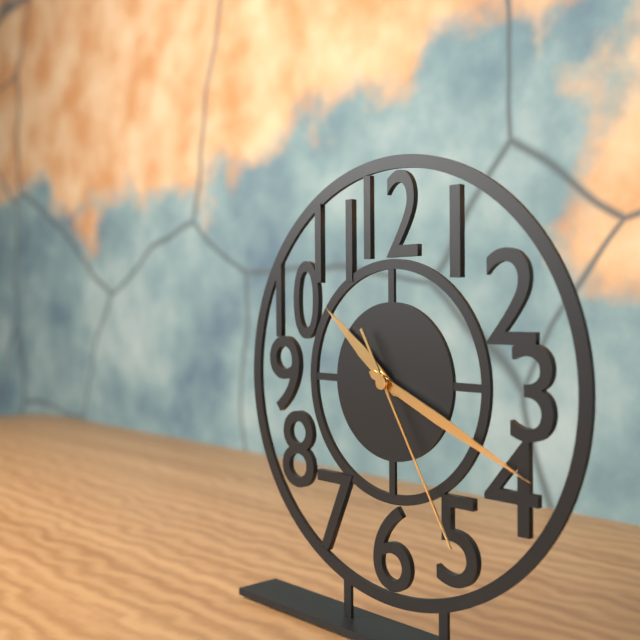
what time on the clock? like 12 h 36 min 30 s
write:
10 h 19 min 25 s
